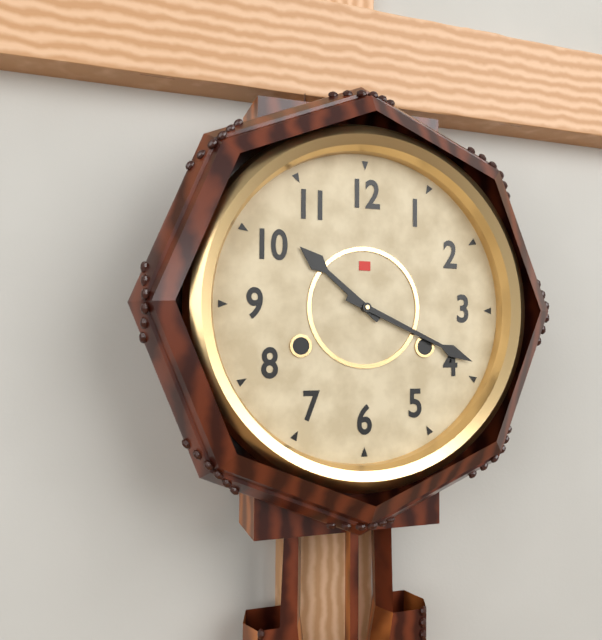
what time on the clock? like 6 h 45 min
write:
10 h 19 min
